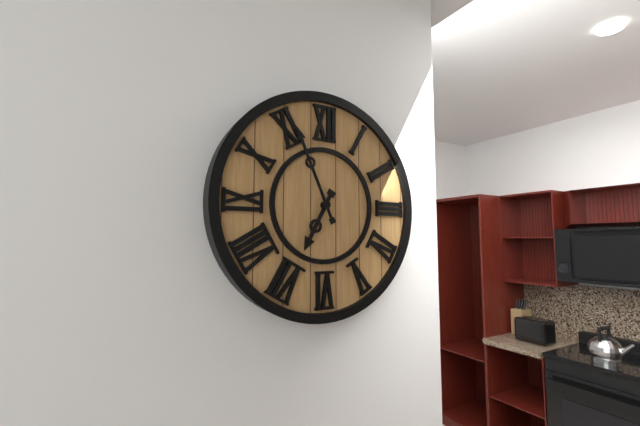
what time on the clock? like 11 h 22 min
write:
6 h 56 min
